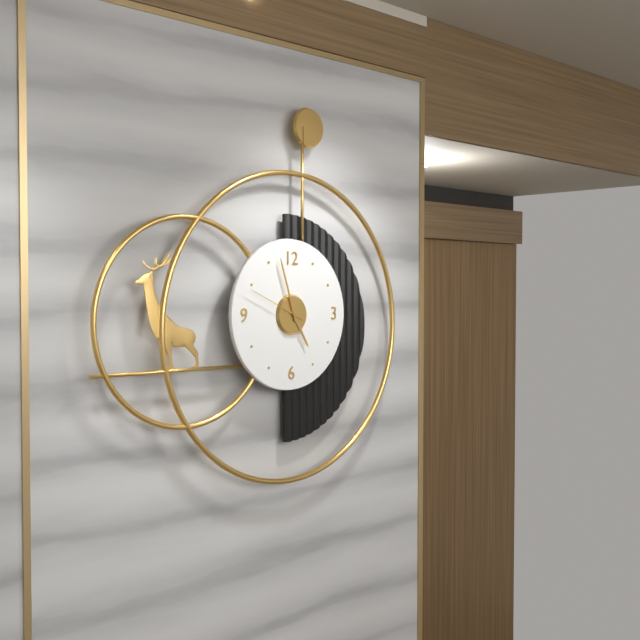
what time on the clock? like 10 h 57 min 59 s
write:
4 h 57 min 49 s
